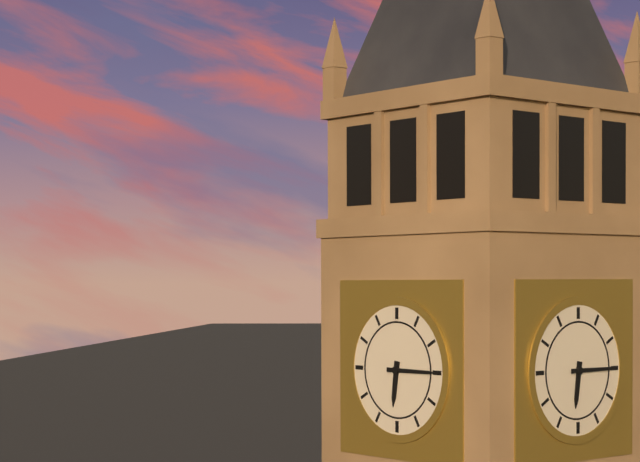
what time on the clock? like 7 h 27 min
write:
6 h 15 min
